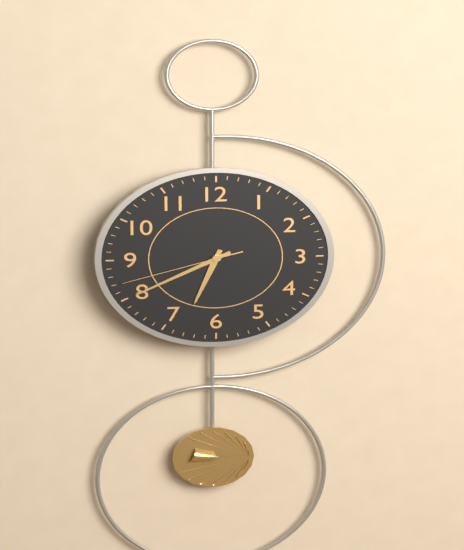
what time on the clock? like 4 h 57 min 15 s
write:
6 h 40 min 42 s
